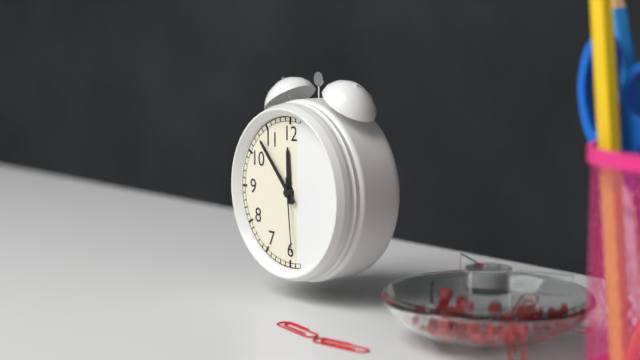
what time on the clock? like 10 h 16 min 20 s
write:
11 h 53 min 29 s
